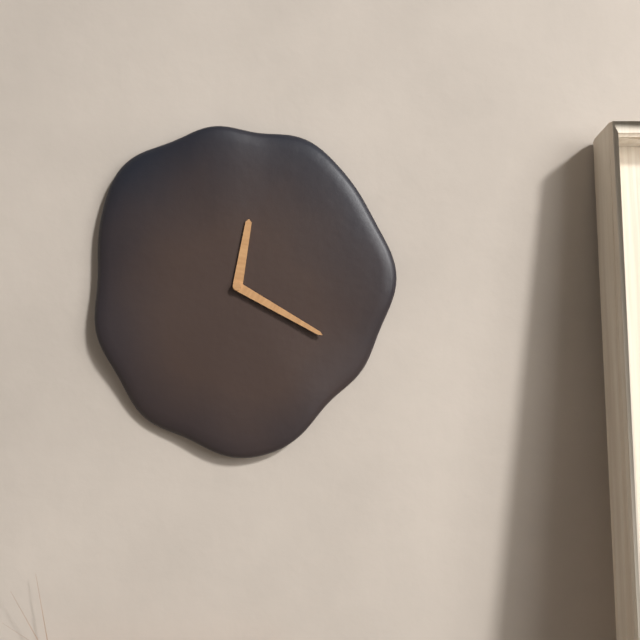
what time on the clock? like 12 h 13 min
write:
12 h 20 min
